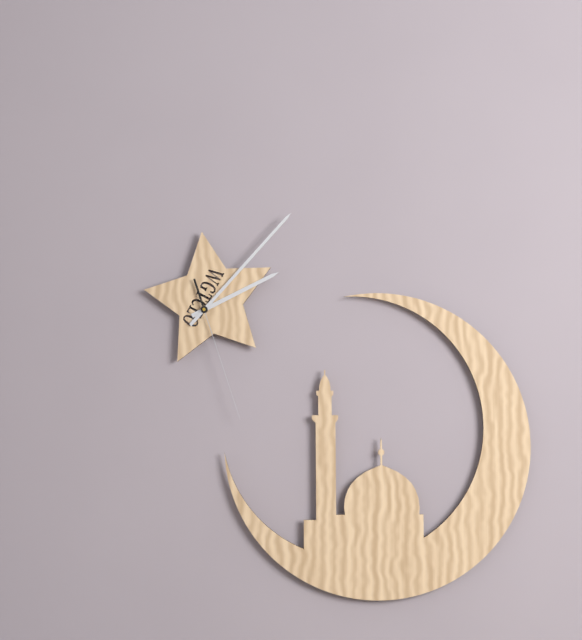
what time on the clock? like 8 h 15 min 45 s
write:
2 h 07 min 27 s
